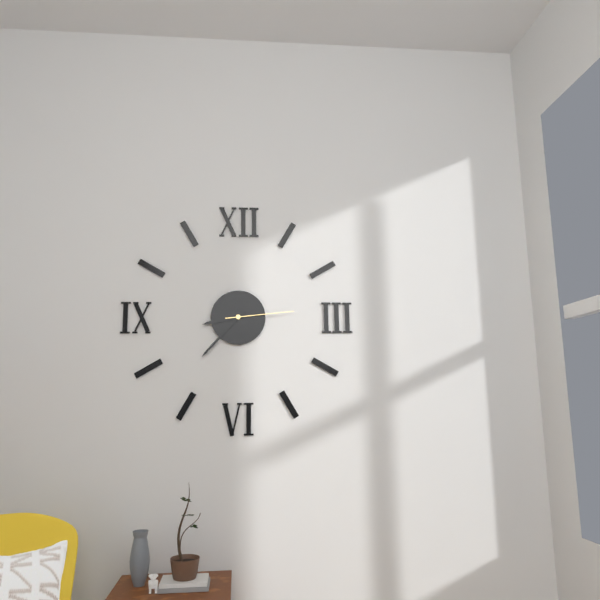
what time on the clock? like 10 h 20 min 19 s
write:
8 h 37 min 14 s
